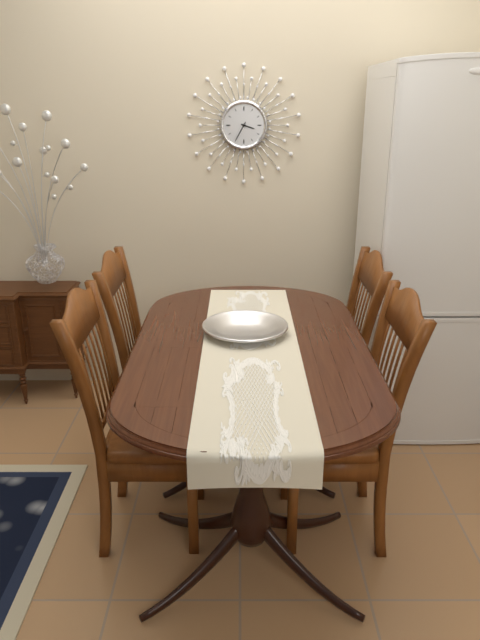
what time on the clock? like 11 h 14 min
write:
3 h 35 min
